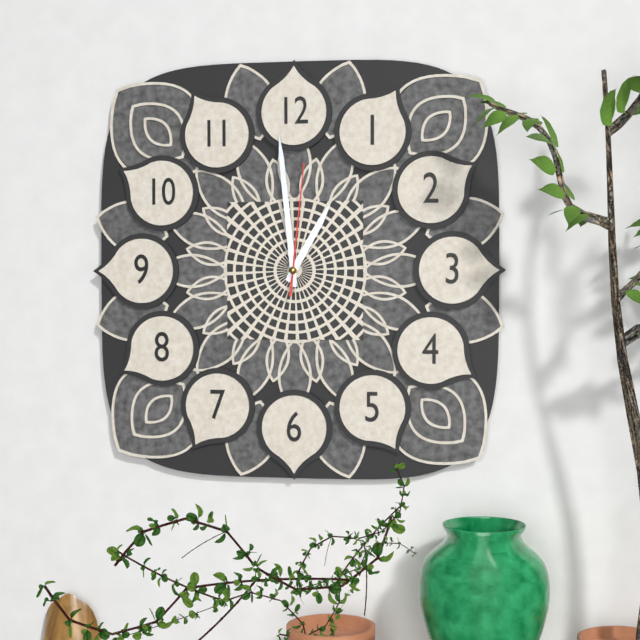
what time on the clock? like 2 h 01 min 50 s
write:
12 h 59 min 01 s
